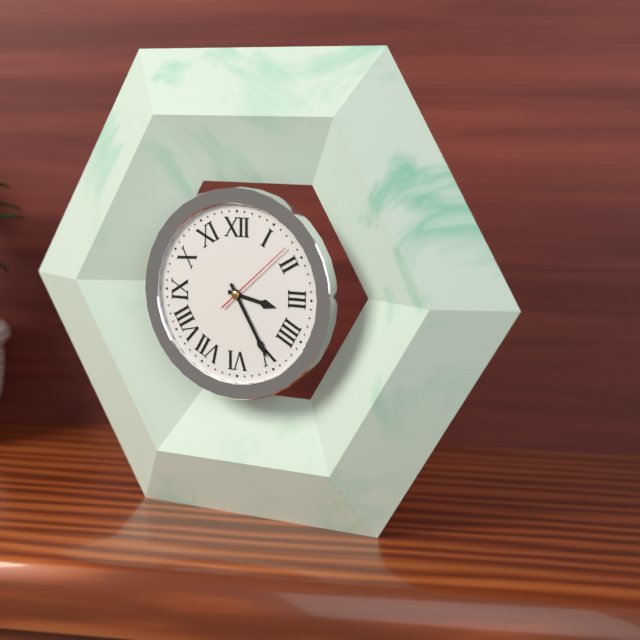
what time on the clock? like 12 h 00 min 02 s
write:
3 h 25 min 08 s
